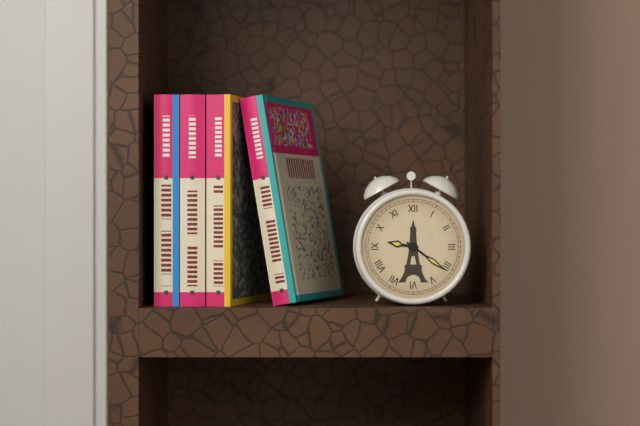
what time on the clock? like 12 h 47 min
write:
9 h 21 min
